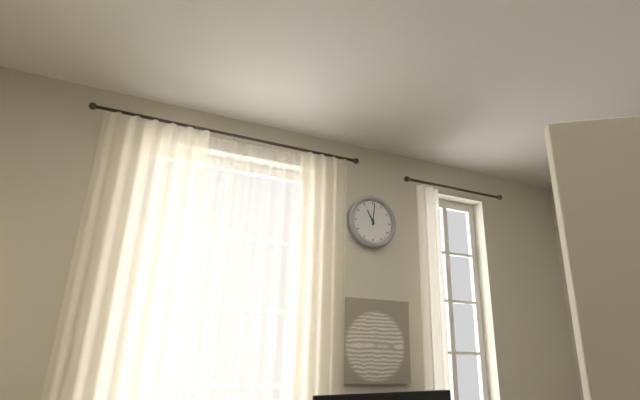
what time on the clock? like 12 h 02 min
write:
11 h 01 min
